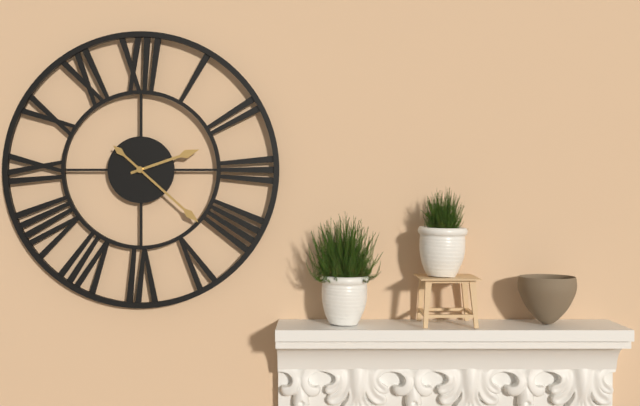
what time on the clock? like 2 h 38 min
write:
2 h 22 min
